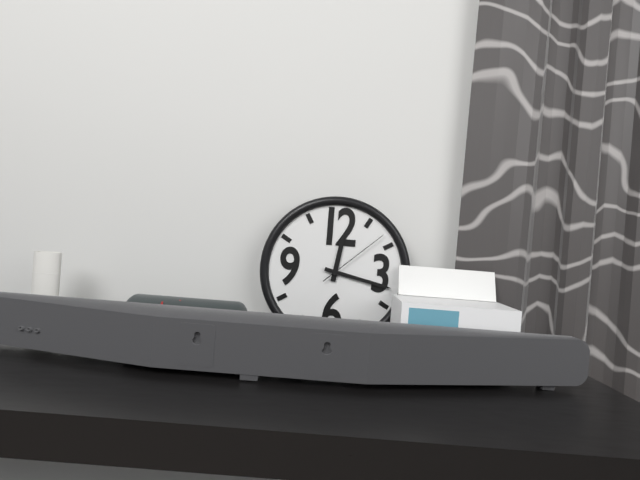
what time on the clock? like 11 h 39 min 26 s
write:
12 h 17 min 08 s
